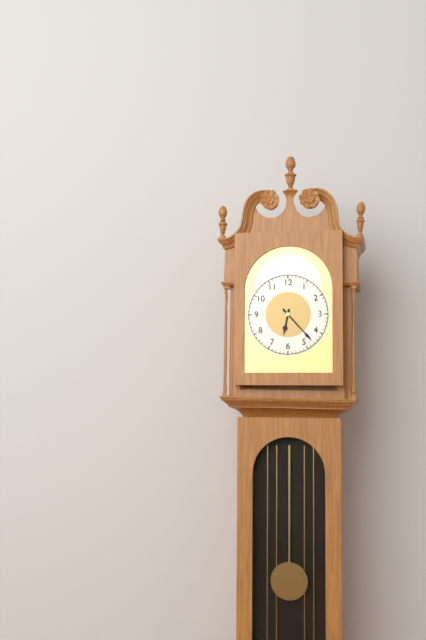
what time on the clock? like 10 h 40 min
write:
6 h 23 min
